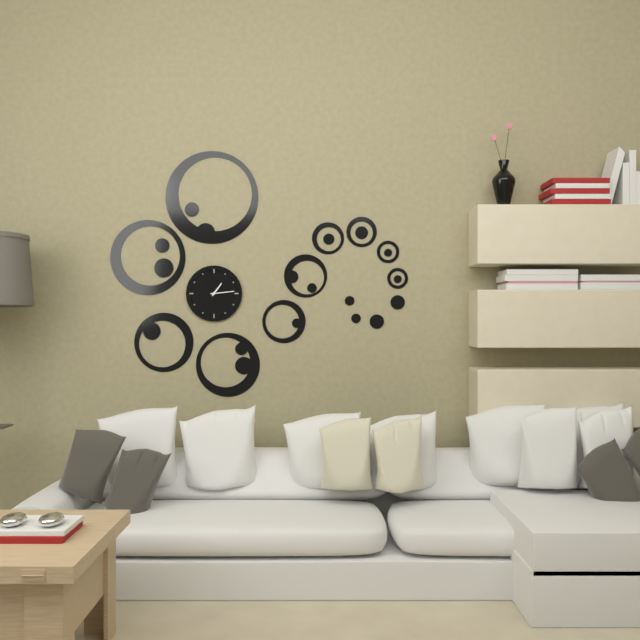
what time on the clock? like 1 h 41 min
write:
1 h 14 min
